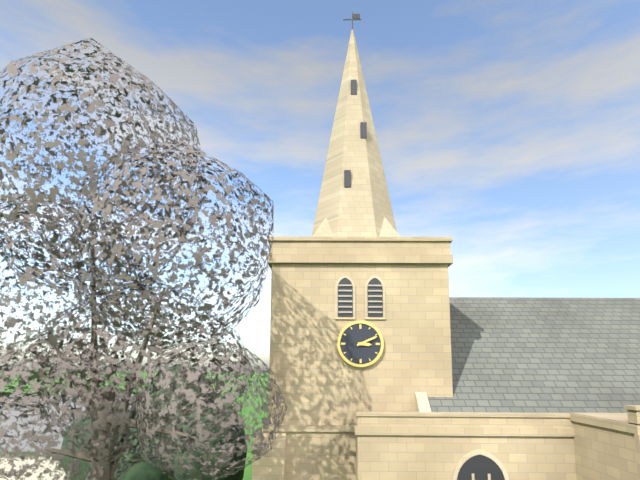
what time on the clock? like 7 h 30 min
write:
3 h 11 min
